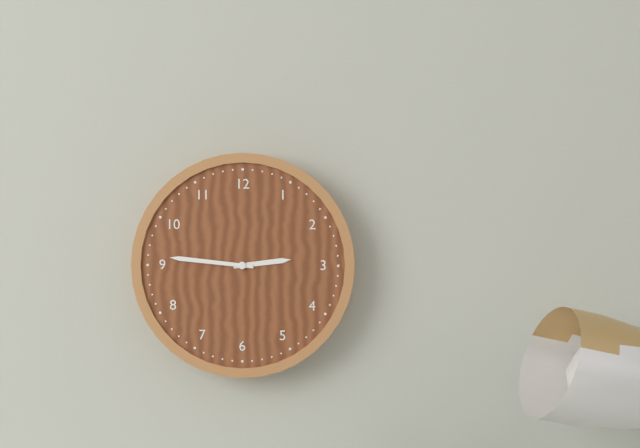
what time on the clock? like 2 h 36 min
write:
2 h 46 min
